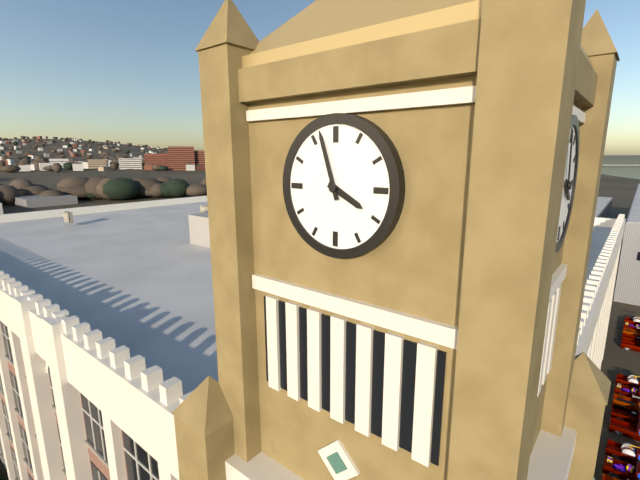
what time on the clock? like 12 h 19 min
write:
3 h 57 min
